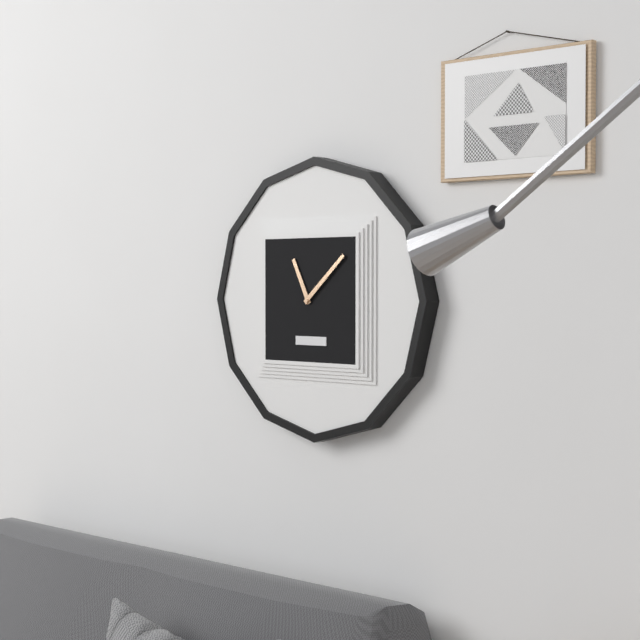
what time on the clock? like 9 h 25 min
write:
11 h 08 min
